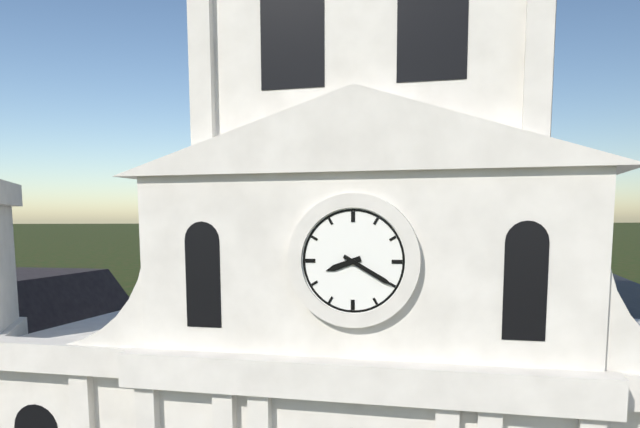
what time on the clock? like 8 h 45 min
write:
8 h 20 min
